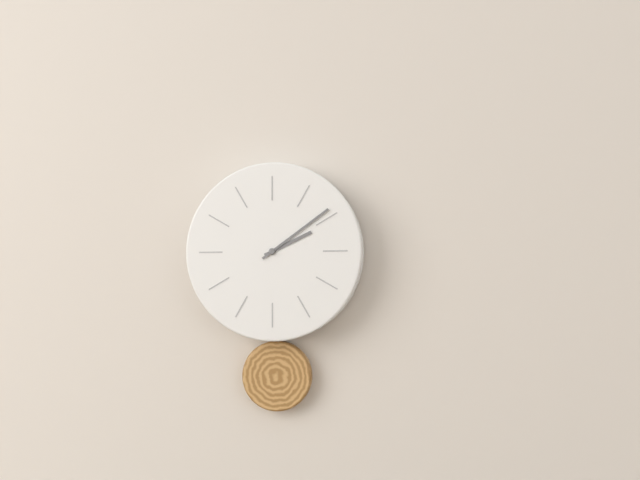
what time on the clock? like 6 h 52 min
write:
2 h 09 min
